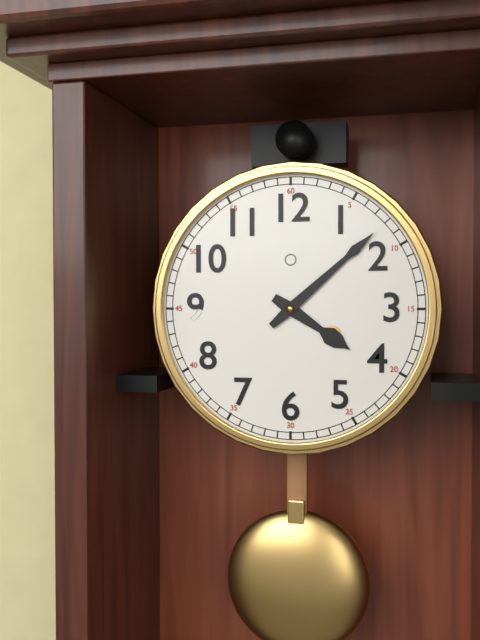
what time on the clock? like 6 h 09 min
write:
4 h 08 min
